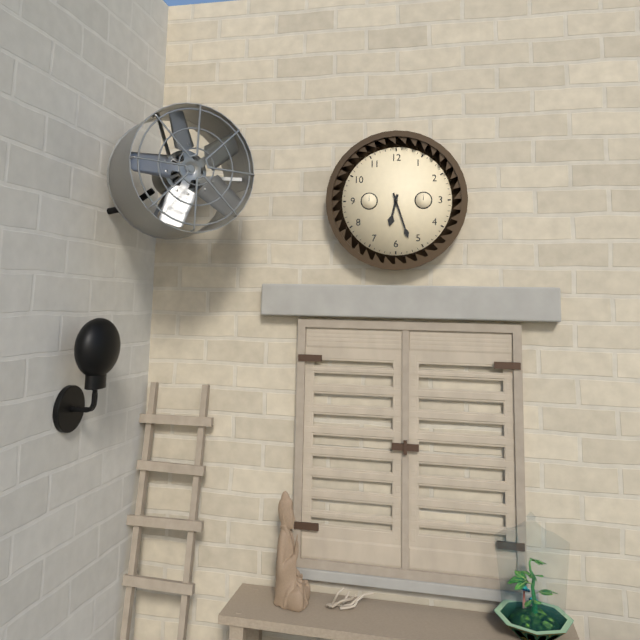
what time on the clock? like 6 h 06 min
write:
6 h 27 min
